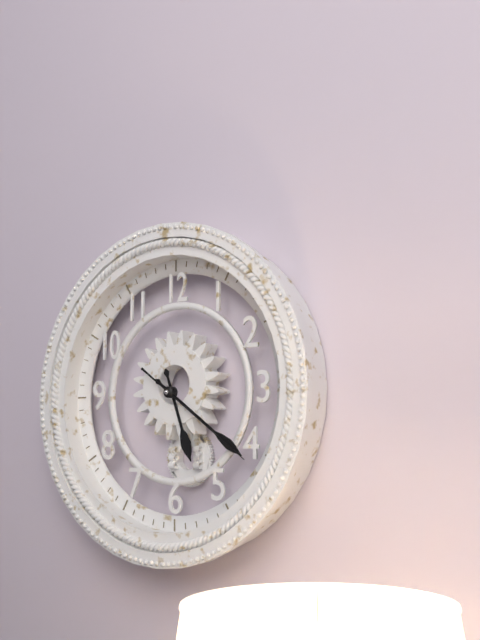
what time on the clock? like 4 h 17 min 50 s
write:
5 h 21 min 21 s
